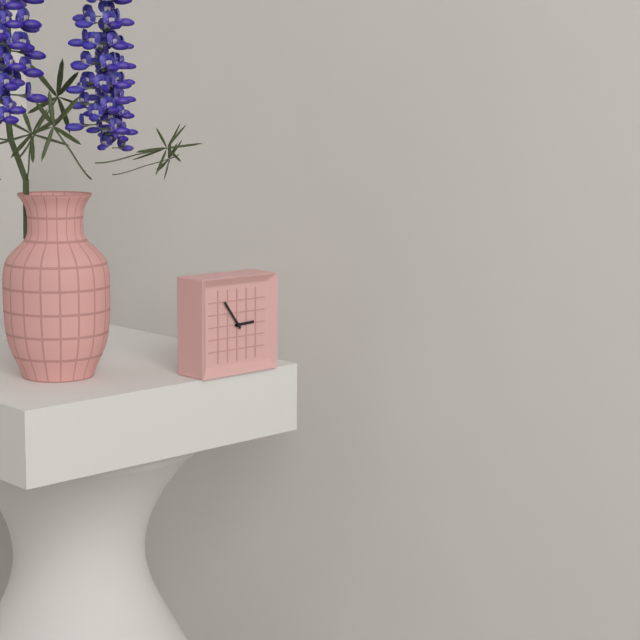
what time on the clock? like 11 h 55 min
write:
2 h 54 min
